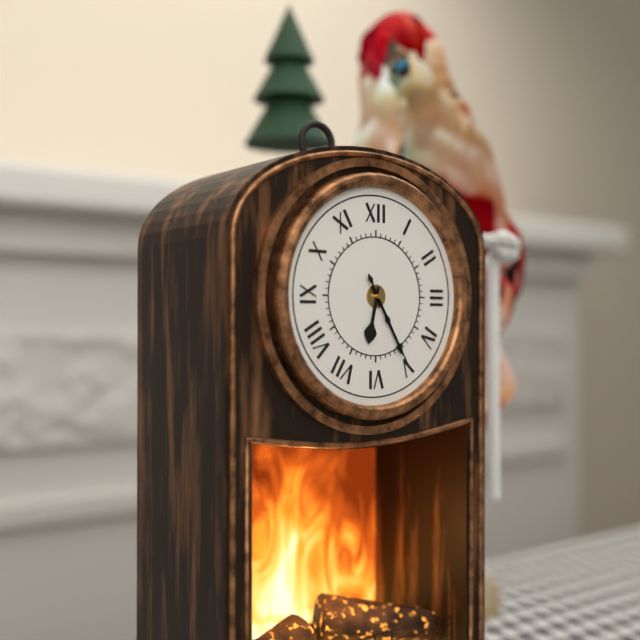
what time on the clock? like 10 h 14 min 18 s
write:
6 h 25 min 25 s
